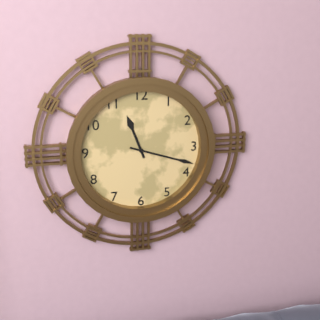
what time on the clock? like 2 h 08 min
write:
11 h 18 min
